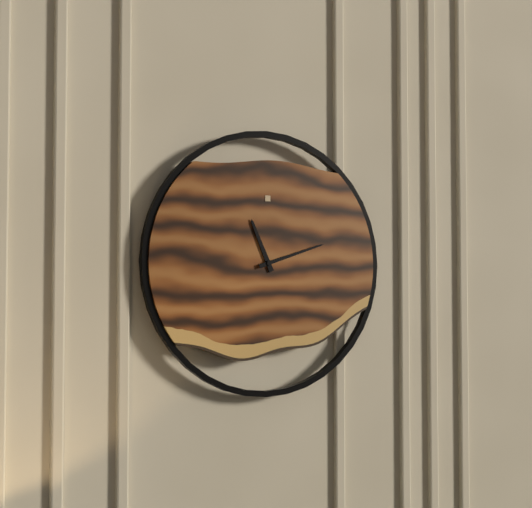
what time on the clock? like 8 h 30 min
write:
11 h 12 min
